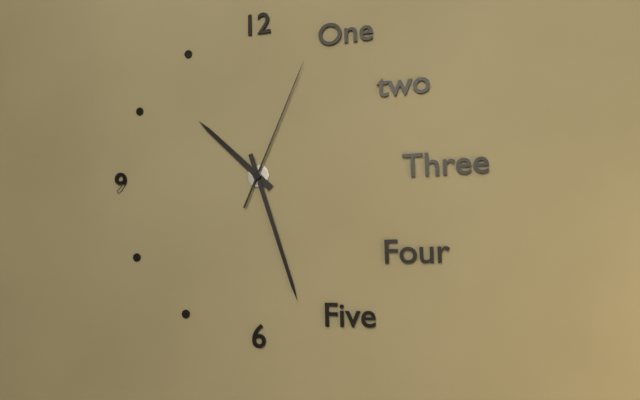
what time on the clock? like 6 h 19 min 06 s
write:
10 h 27 min 04 s
